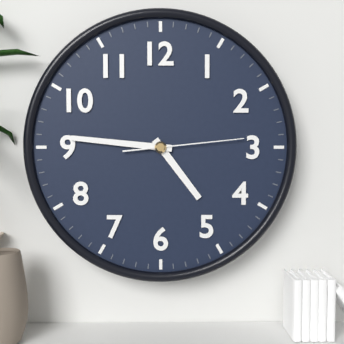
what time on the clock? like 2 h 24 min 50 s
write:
4 h 46 min 14 s
